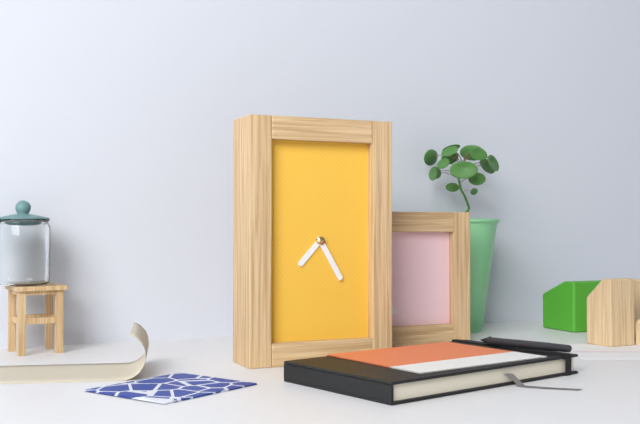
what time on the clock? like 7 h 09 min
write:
7 h 25 min
